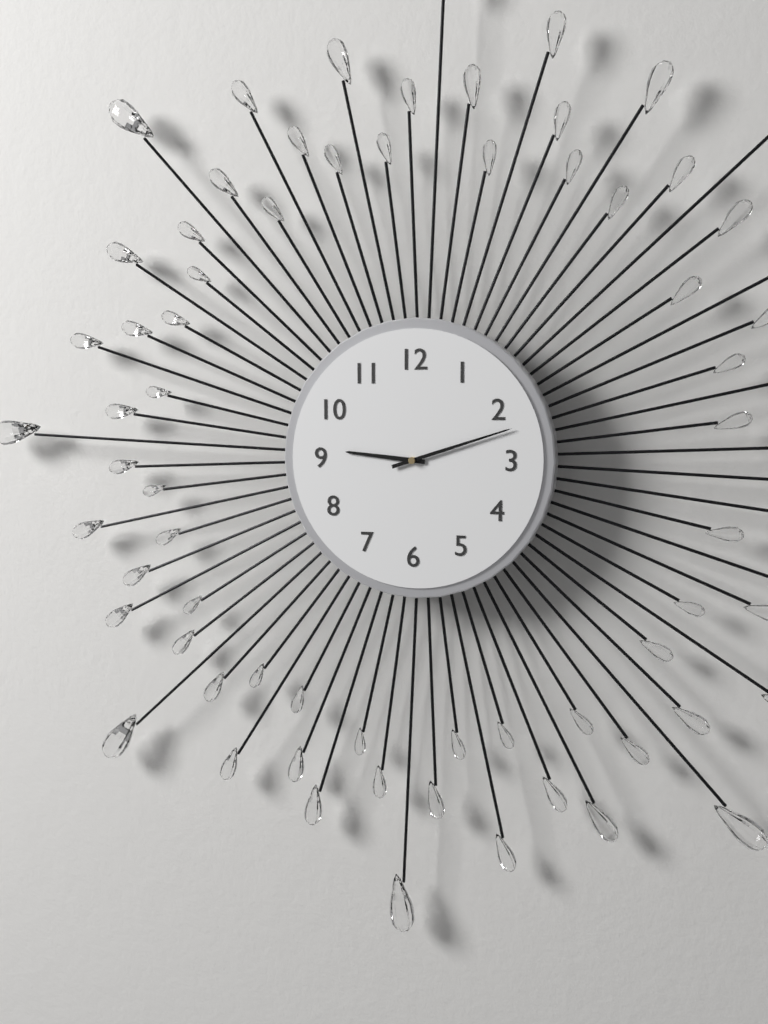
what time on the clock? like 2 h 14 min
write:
9 h 12 min
